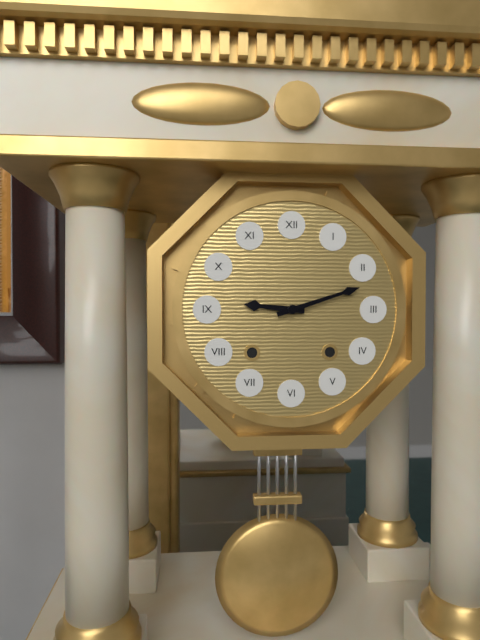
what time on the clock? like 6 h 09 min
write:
9 h 12 min
